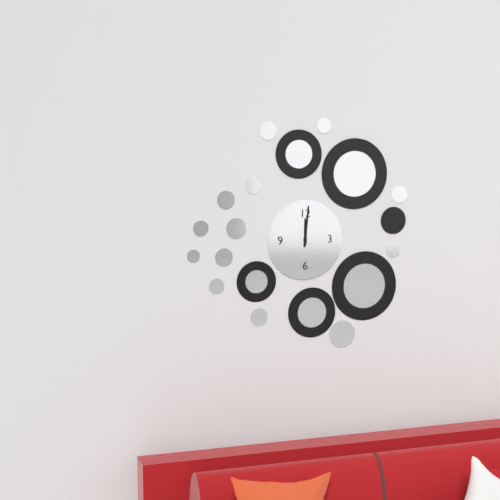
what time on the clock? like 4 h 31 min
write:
12 h 01 min
